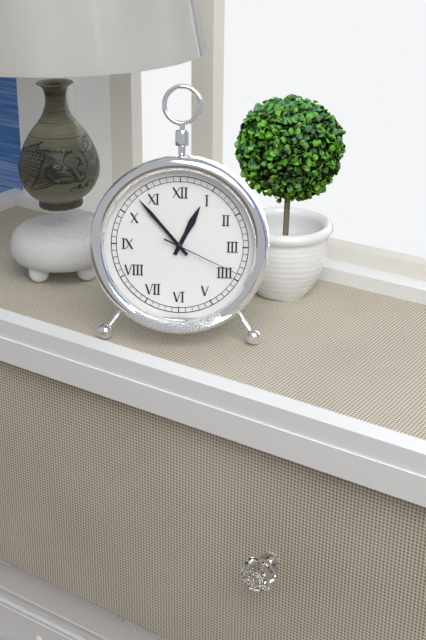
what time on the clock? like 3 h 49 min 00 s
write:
12 h 53 min 19 s
